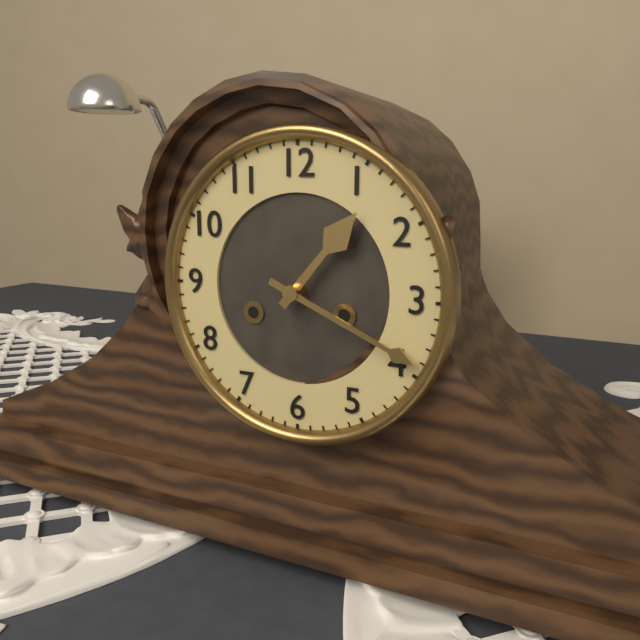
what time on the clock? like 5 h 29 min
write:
1 h 19 min
